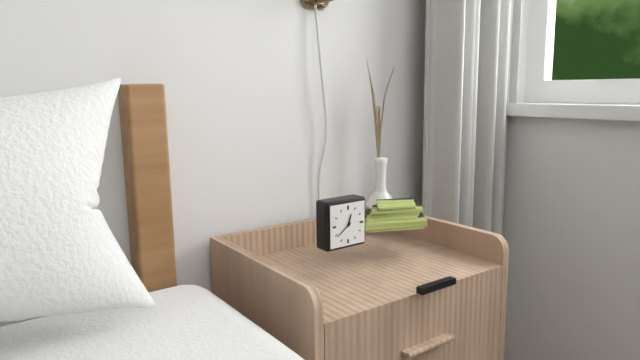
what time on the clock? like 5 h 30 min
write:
12 h 39 min
